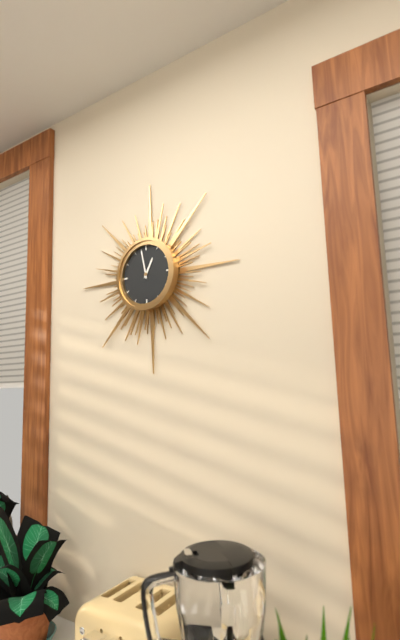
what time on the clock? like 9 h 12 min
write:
12 h 58 min
